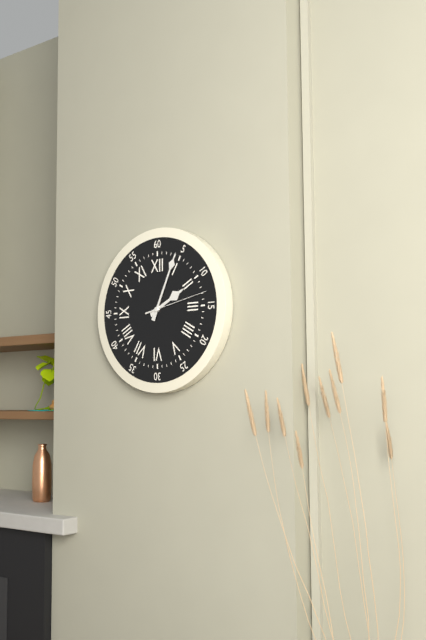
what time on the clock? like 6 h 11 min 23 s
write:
2 h 04 min 13 s
